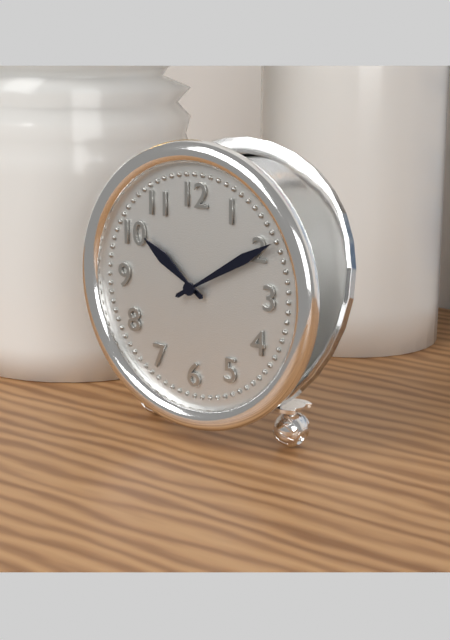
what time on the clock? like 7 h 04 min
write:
10 h 10 min
